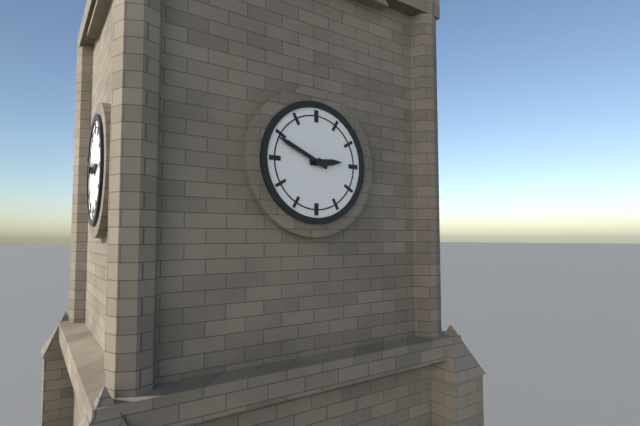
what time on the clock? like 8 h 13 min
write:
2 h 49 min
